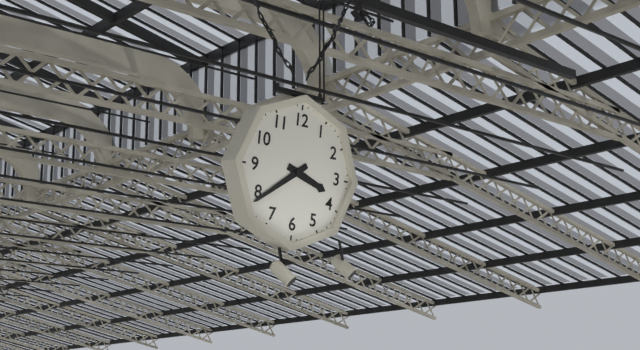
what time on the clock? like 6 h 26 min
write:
3 h 39 min
